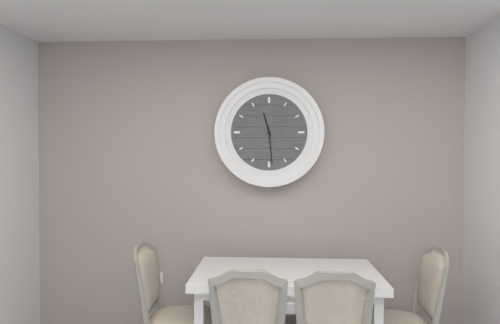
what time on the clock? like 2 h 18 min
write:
11 h 29 min
